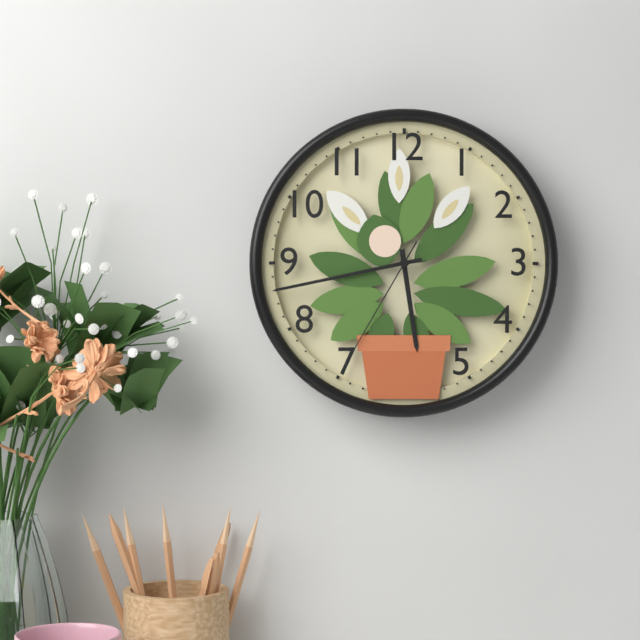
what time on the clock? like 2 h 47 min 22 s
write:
5 h 43 min 35 s
